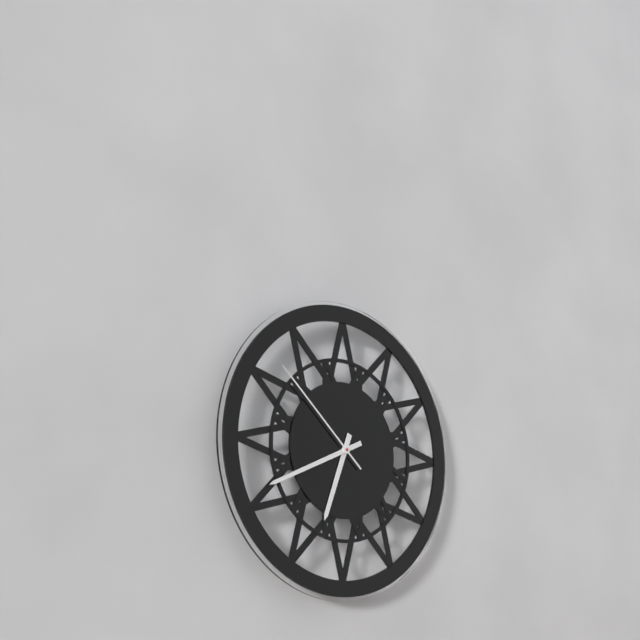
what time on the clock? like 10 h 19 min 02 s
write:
6 h 41 min 52 s
